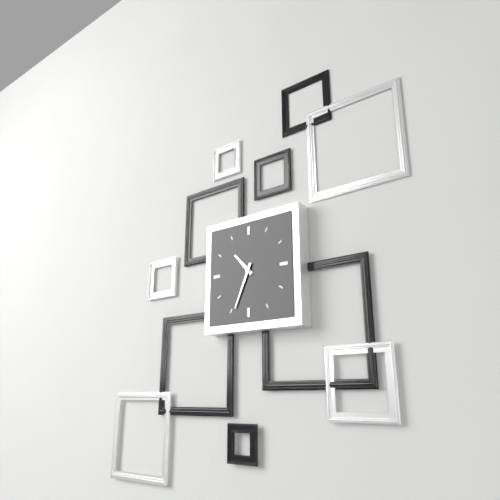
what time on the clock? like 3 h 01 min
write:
10 h 34 min
